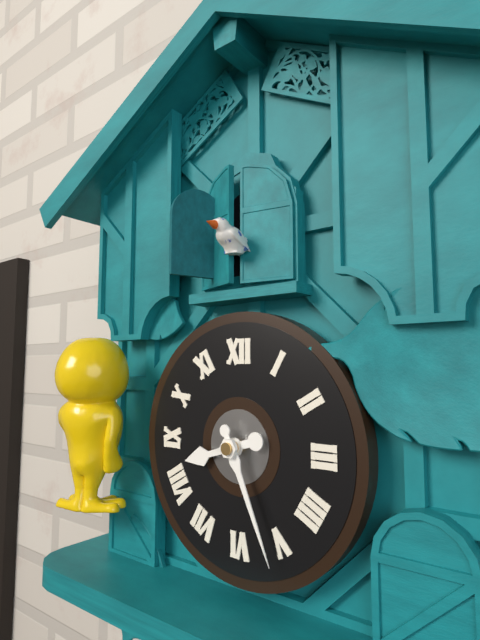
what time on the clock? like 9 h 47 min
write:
8 h 26 min
